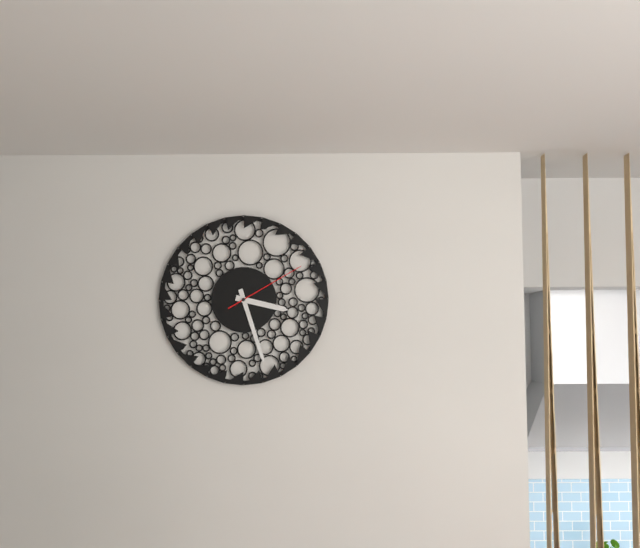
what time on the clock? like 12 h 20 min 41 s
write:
3 h 27 min 10 s
